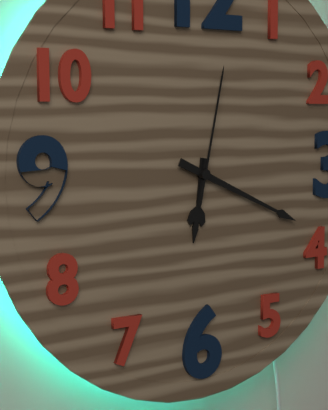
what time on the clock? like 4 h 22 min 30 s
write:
6 h 19 min 02 s
